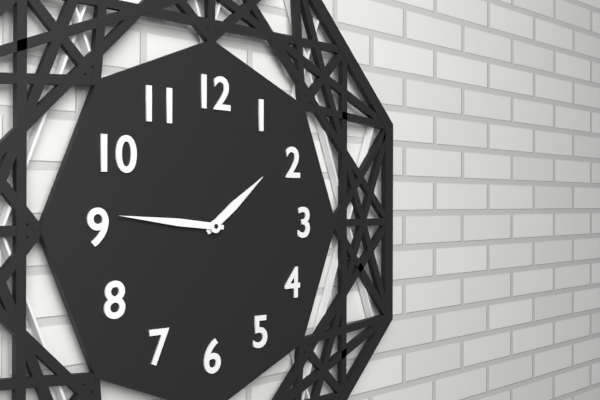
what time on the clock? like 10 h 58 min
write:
1 h 46 min
